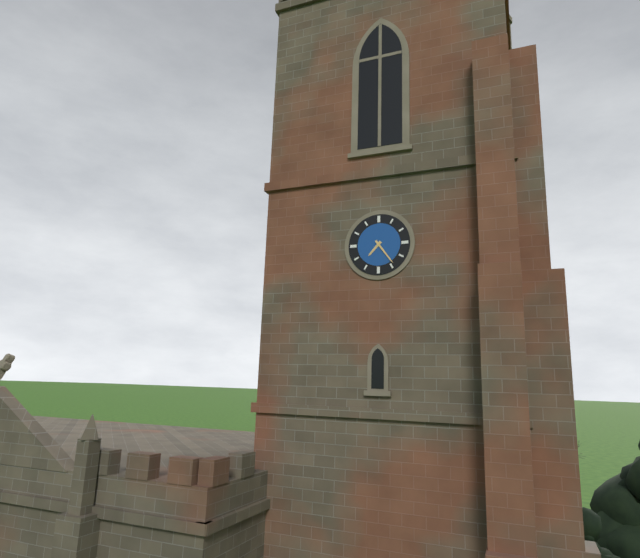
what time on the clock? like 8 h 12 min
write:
7 h 24 min
